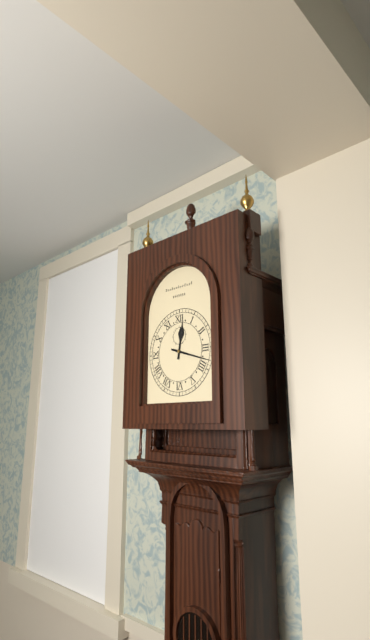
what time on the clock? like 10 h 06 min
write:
12 h 18 min
